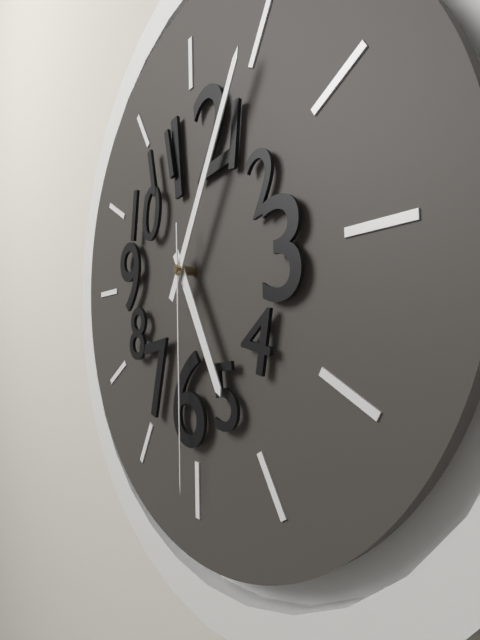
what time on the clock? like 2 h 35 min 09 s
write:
5 h 05 min 30 s
